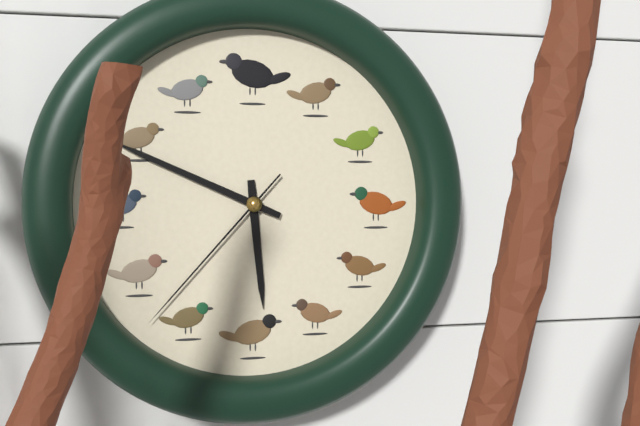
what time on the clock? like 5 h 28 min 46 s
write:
5 h 49 min 37 s
